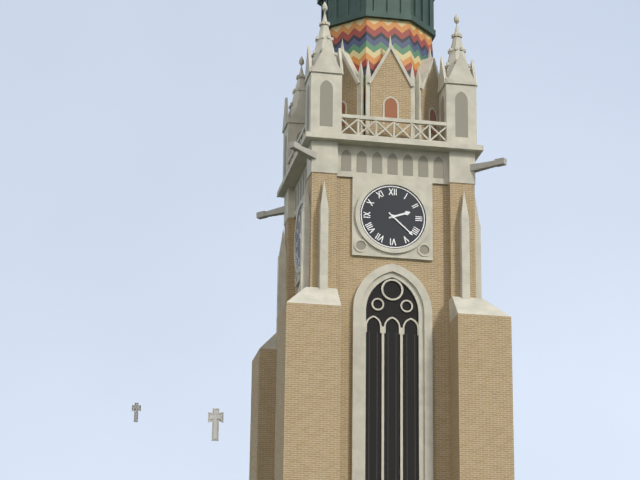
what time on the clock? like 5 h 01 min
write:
2 h 22 min
